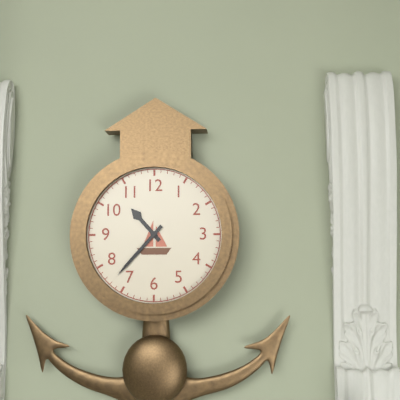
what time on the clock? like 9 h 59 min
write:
10 h 37 min
